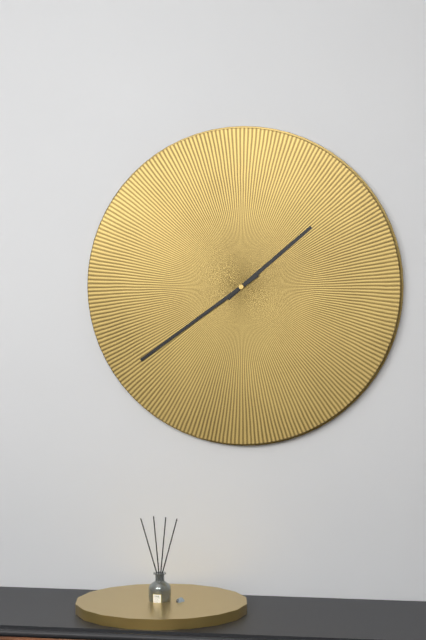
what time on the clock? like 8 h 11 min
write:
1 h 39 min
